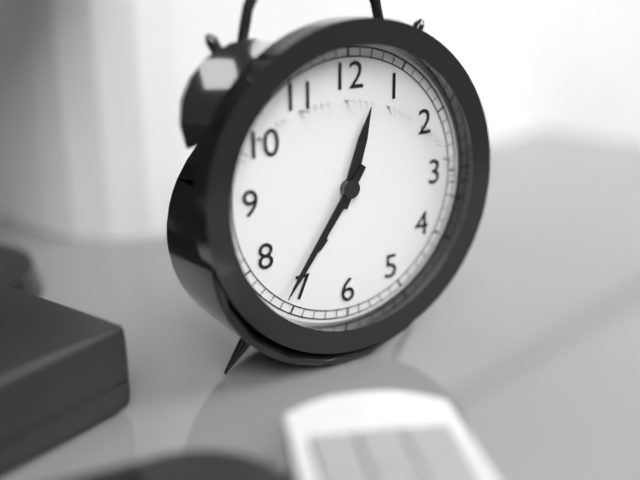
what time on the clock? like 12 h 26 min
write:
12 h 36 min
